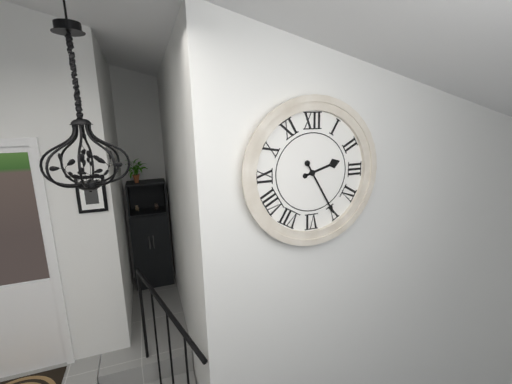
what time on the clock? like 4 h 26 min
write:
2 h 25 min
